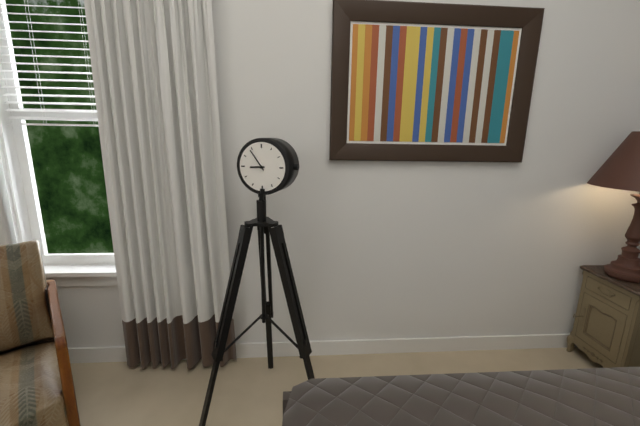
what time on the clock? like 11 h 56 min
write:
8 h 54 min
